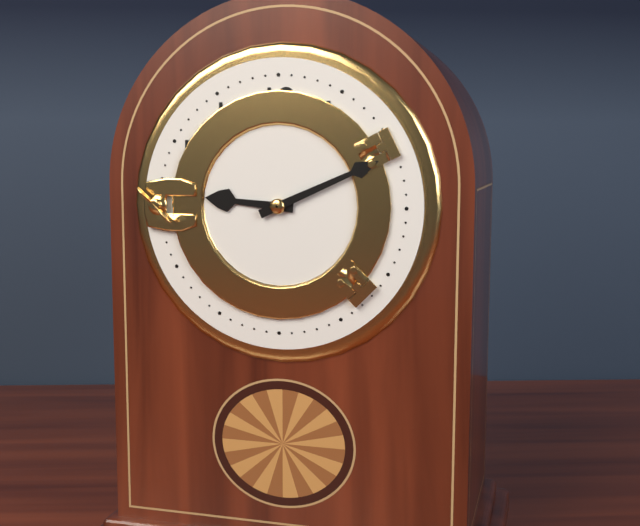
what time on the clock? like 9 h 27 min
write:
9 h 11 min
